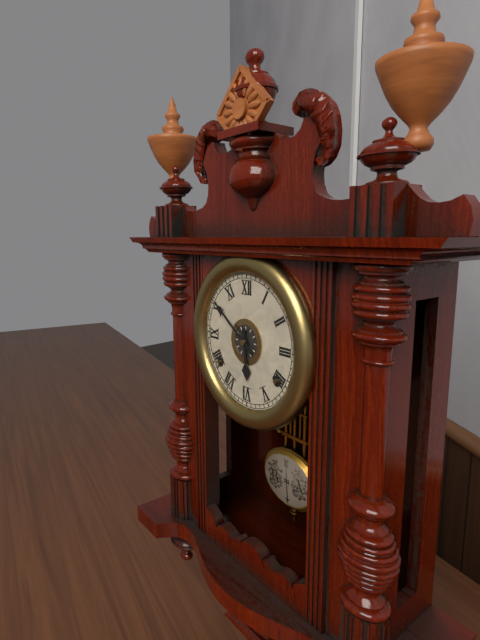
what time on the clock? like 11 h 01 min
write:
5 h 51 min
